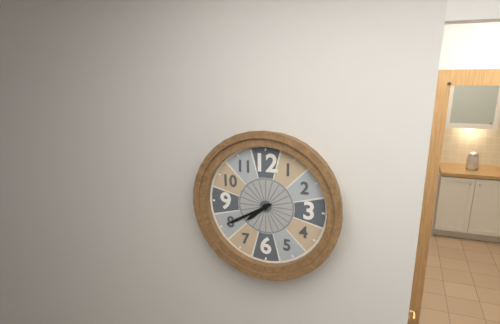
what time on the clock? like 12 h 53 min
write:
7 h 40 min
